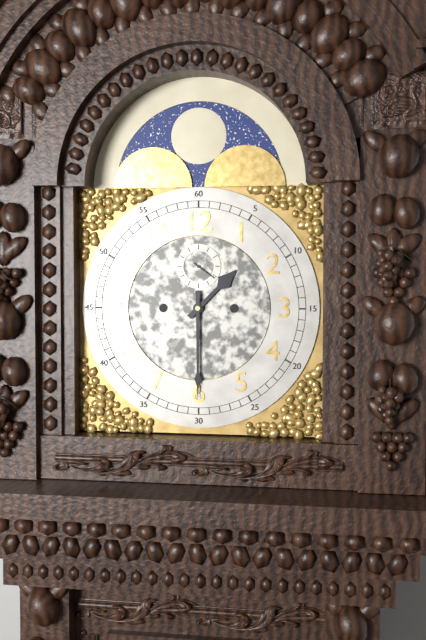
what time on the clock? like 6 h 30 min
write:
1 h 30 min
